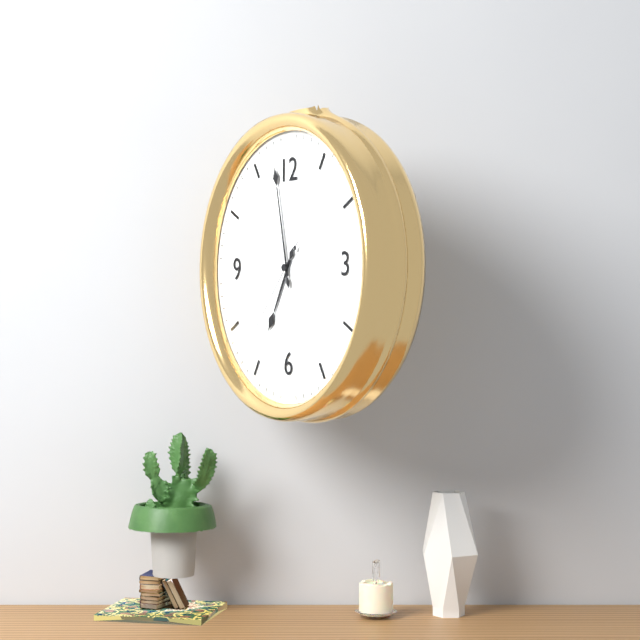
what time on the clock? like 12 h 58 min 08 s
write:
6 h 58 min 37 s
